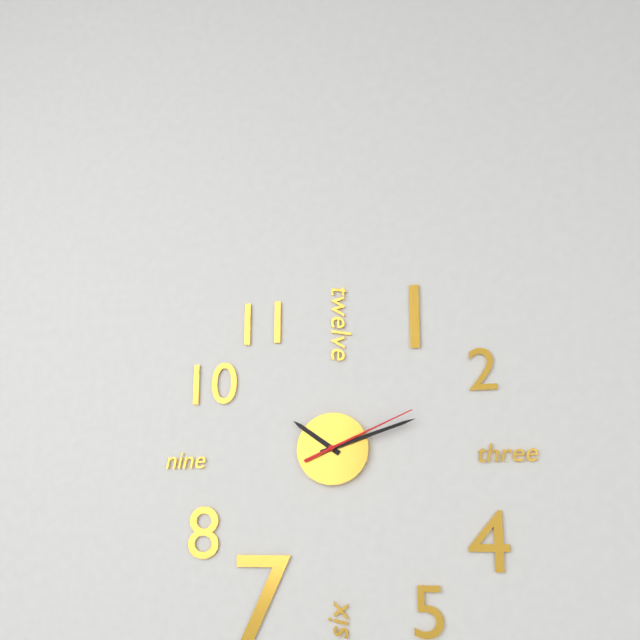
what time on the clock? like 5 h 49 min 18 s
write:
10 h 12 min 11 s
